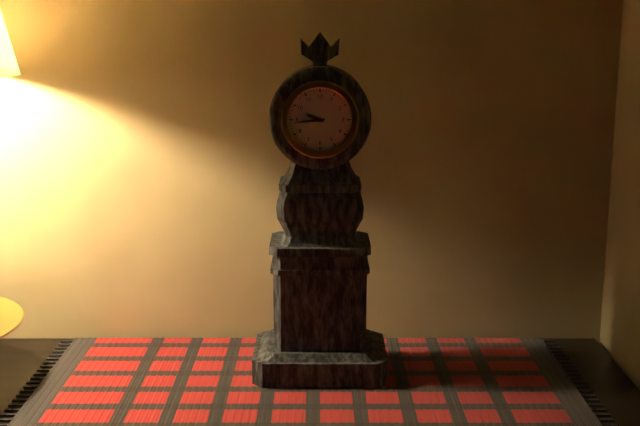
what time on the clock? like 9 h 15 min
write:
9 h 44 min
